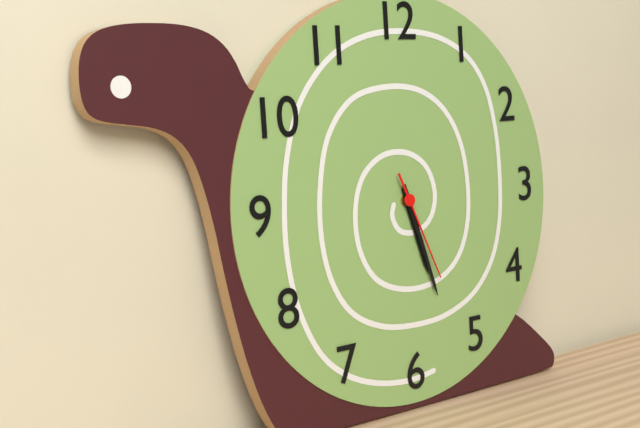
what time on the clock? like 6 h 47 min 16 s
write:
5 h 27 min 26 s
